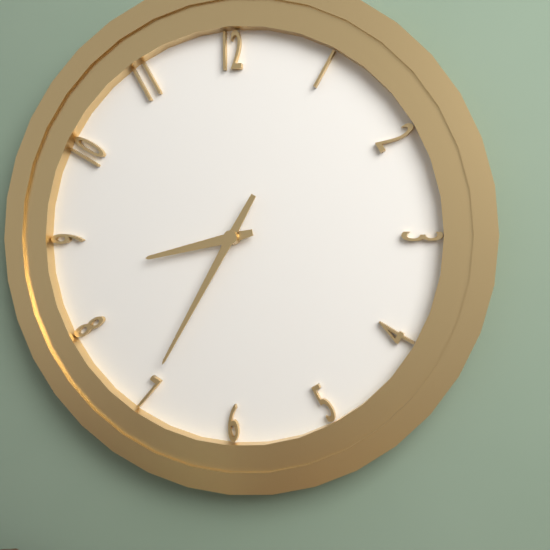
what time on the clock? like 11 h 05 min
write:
8 h 35 min
